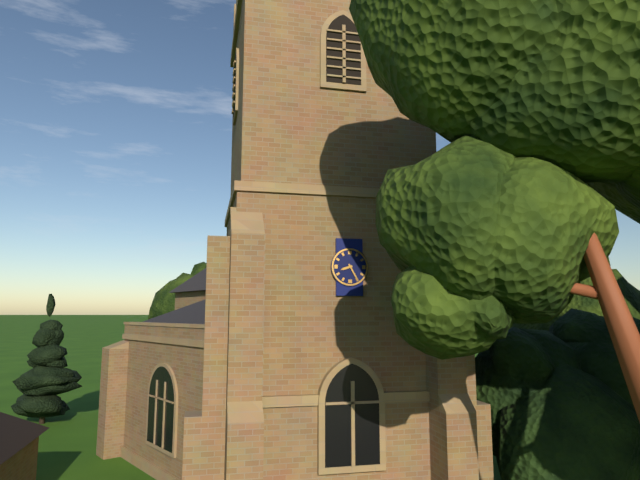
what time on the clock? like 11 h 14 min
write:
8 h 25 min
